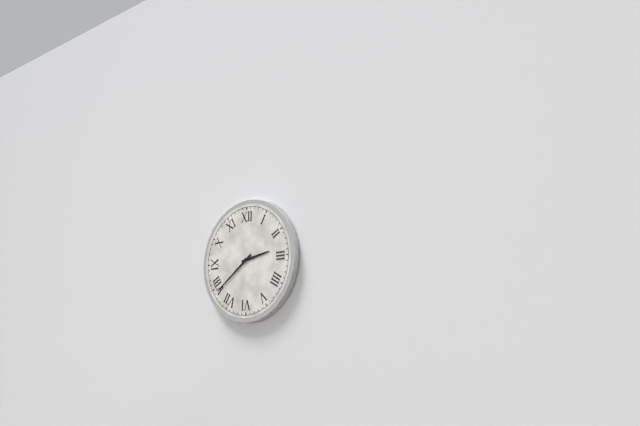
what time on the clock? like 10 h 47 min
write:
2 h 39 min
